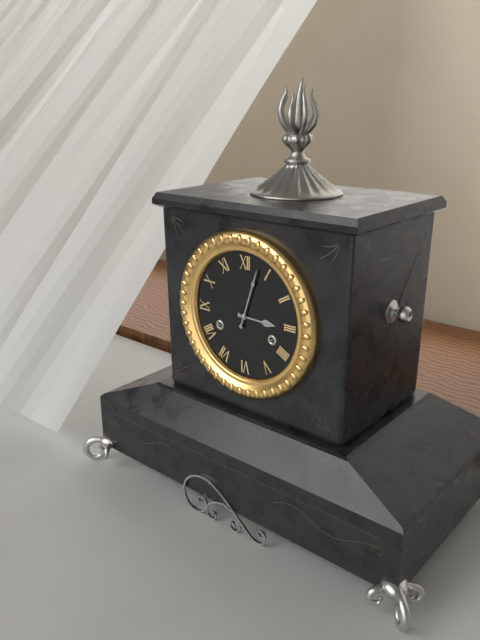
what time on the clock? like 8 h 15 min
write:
3 h 03 min
